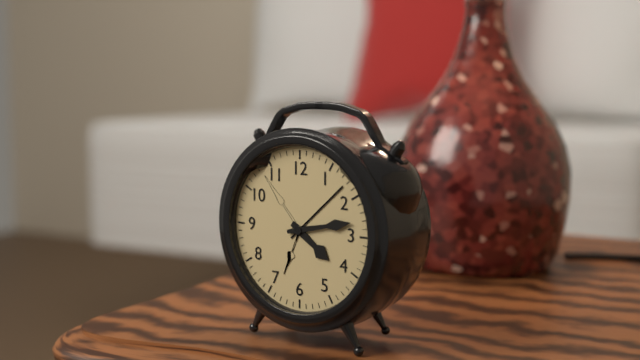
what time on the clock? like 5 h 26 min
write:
4 h 13 min
